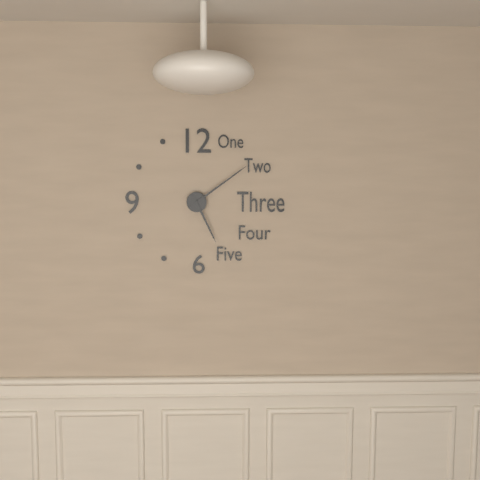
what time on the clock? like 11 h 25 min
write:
5 h 09 min
